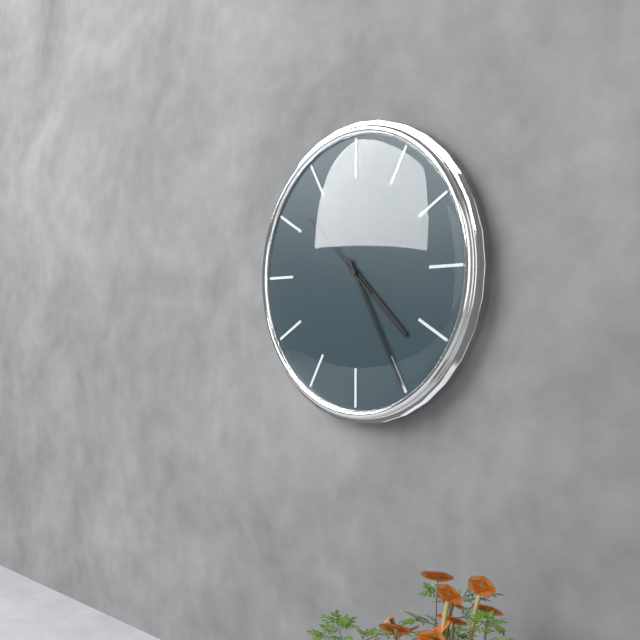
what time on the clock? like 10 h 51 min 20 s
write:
4 h 25 min 52 s
